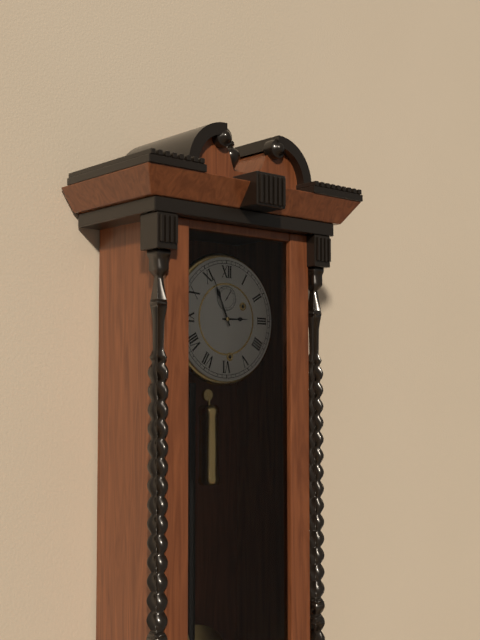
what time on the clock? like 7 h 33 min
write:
2 h 56 min
